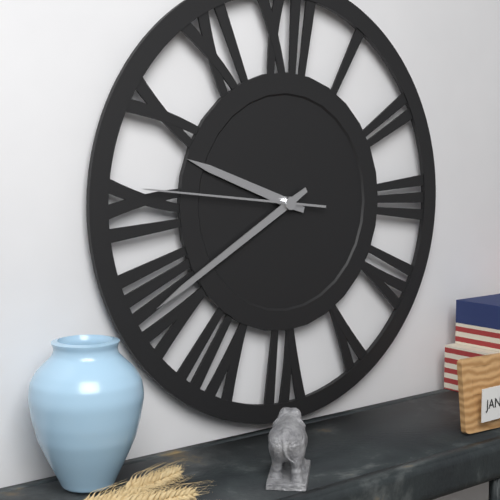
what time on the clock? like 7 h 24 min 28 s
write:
9 h 40 min 46 s
